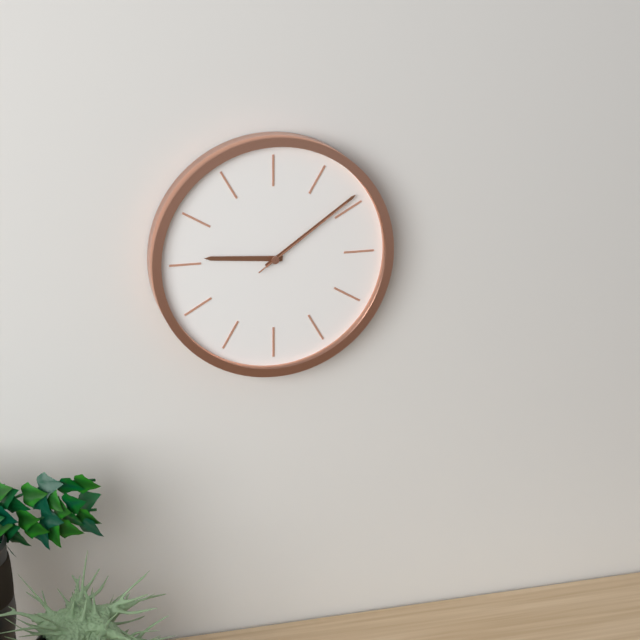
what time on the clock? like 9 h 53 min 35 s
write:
9 h 09 min 09 s
